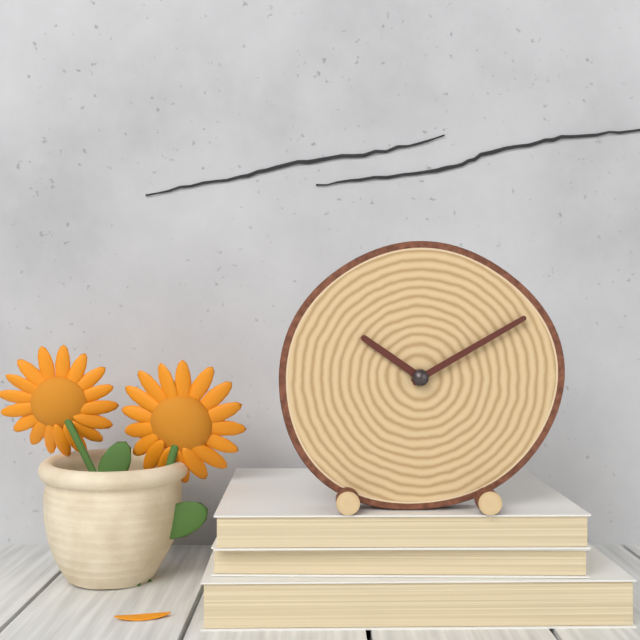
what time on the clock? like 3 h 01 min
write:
10 h 10 min
